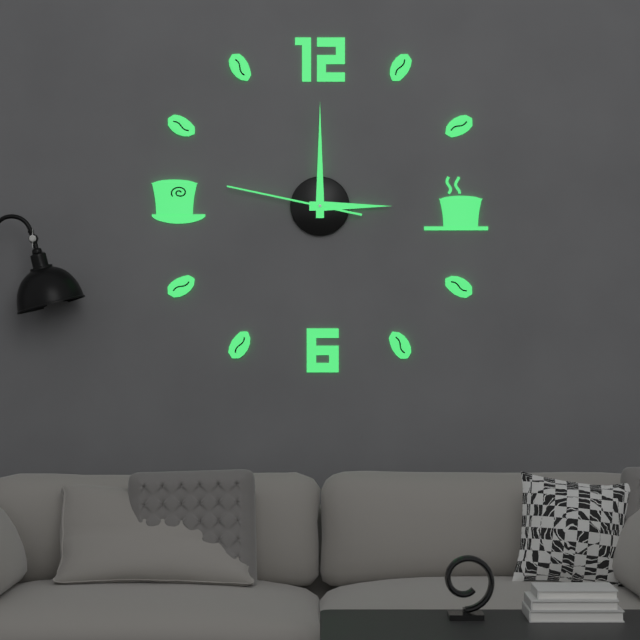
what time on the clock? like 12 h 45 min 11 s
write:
3 h 00 min 47 s
